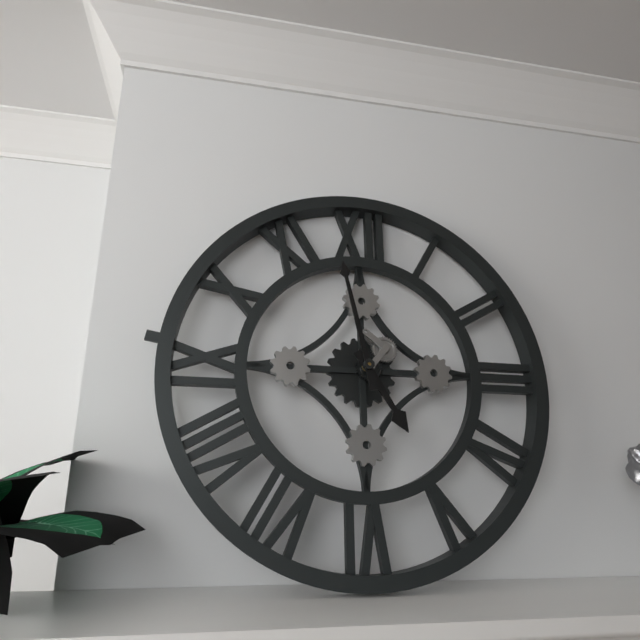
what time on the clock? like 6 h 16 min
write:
4 h 58 min
